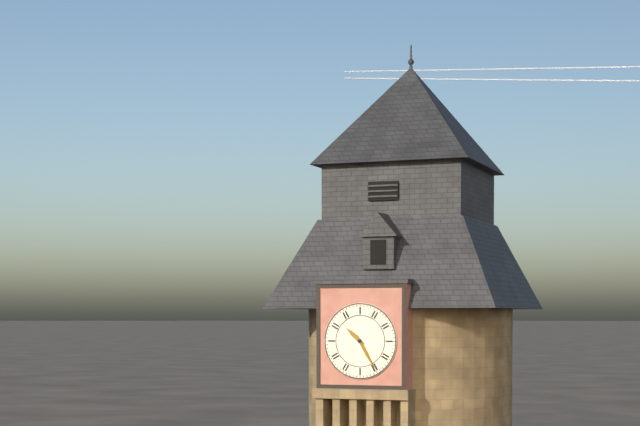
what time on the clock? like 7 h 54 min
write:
10 h 25 min
